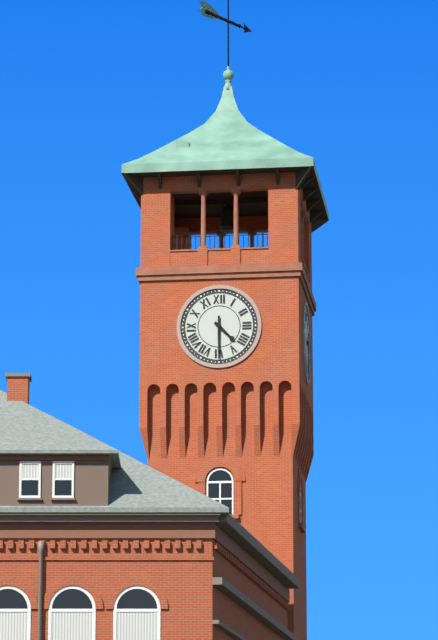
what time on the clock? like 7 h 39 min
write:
4 h 30 min
